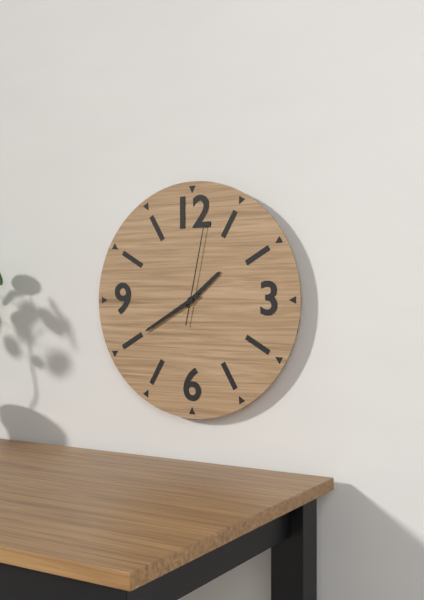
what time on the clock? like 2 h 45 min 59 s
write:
1 h 40 min 02 s
